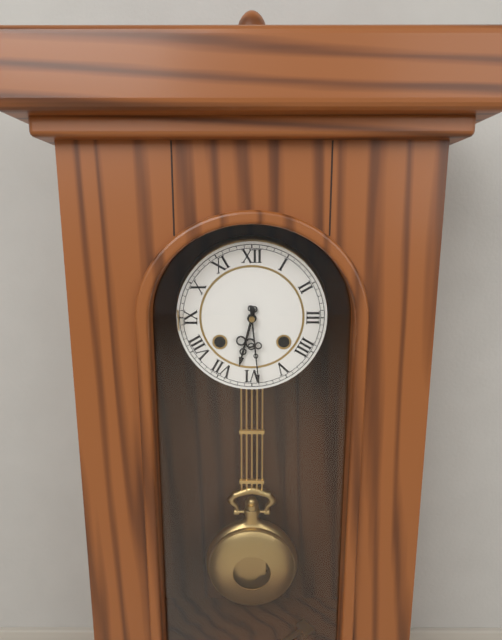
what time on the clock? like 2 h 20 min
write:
6 h 29 min
